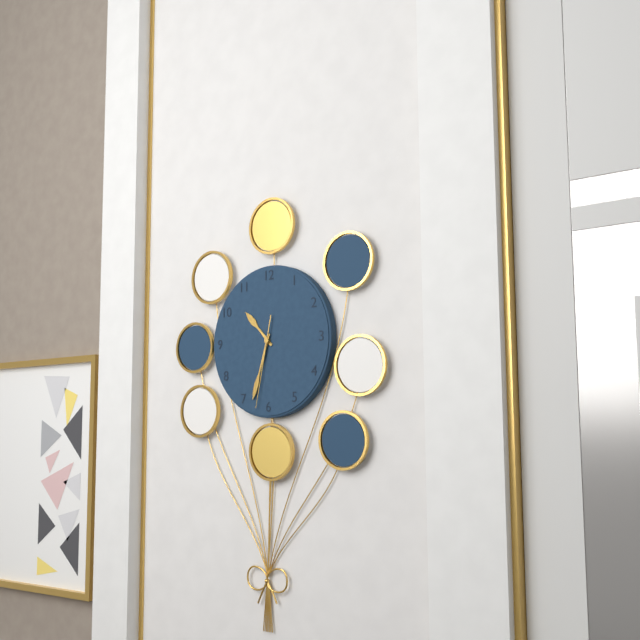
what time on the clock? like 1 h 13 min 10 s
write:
10 h 33 min 32 s
